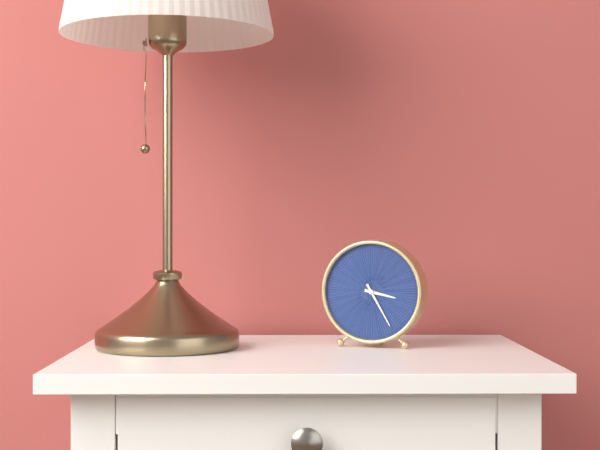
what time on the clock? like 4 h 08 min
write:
3 h 25 min
